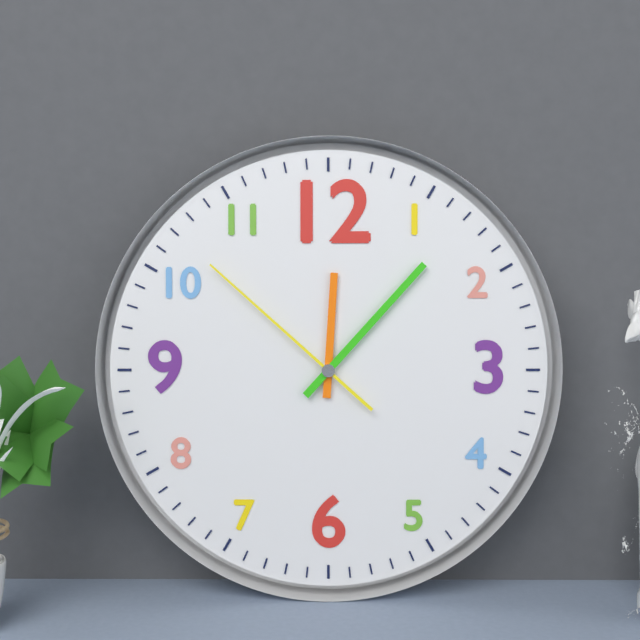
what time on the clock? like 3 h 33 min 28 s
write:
12 h 07 min 52 s
